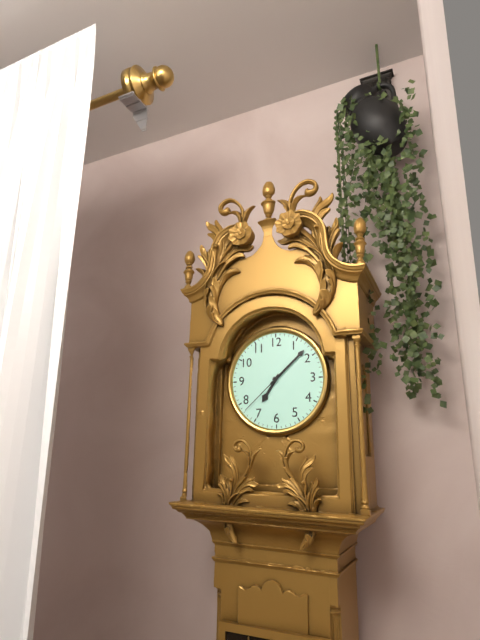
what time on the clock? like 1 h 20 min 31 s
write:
7 h 08 min 38 s
